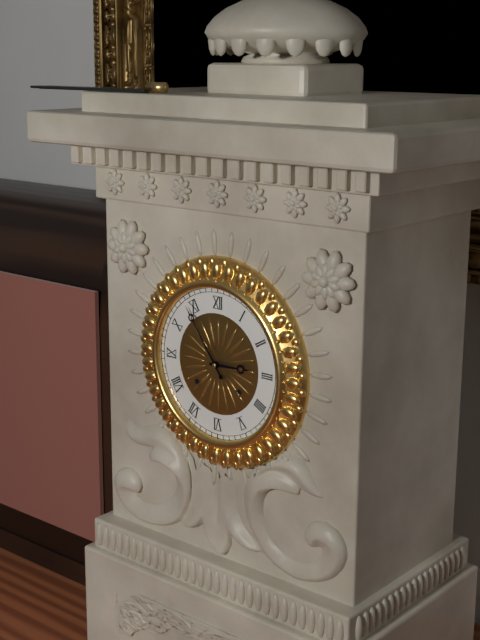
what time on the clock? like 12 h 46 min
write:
2 h 54 min
